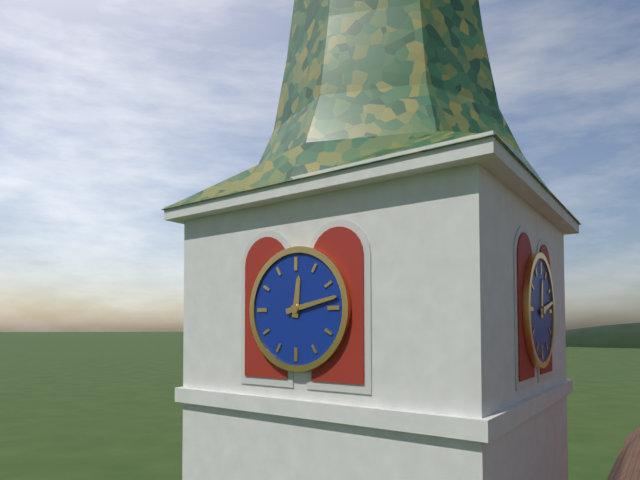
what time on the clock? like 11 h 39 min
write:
12 h 13 min
